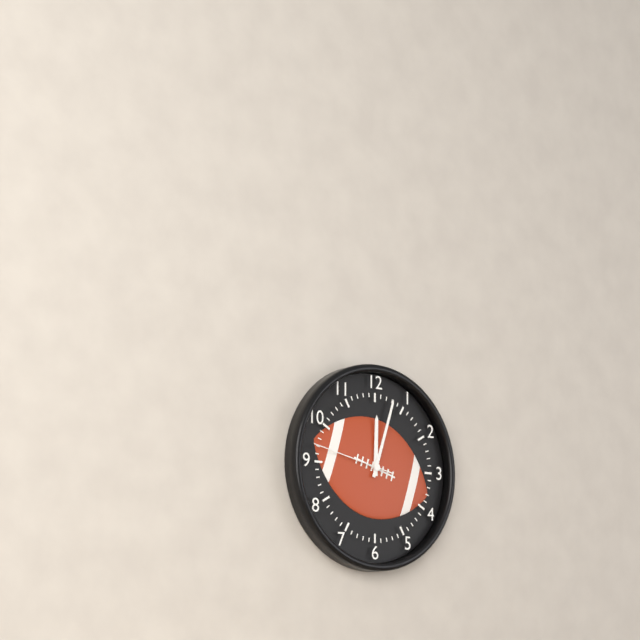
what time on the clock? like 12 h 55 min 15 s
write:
12 h 03 min 47 s
